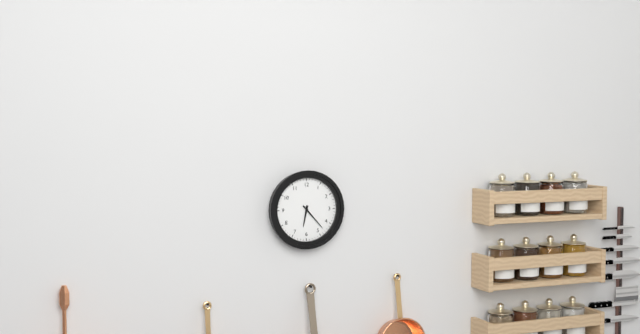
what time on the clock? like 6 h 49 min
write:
6 h 23 min
